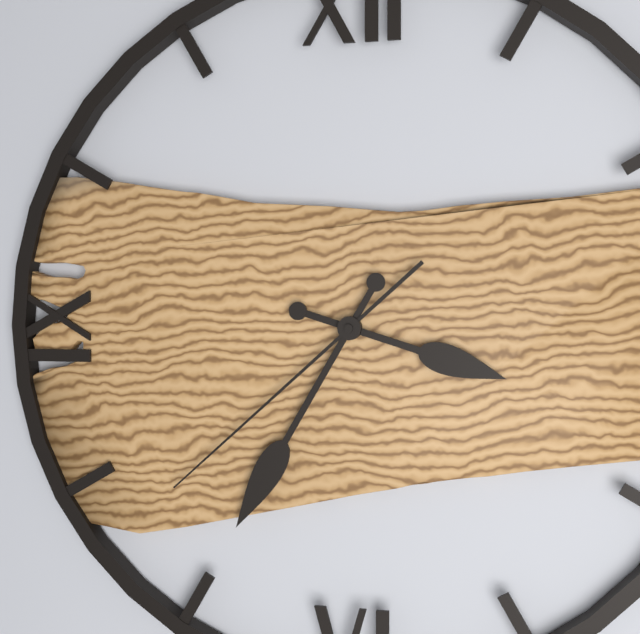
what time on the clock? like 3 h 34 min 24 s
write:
3 h 35 min 38 s
